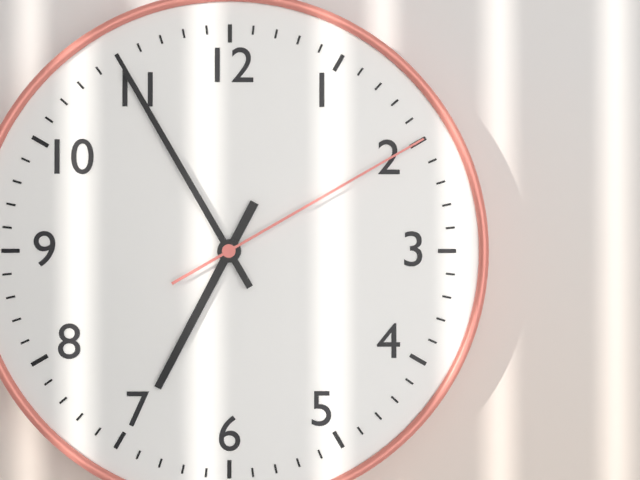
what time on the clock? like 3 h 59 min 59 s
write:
6 h 55 min 10 s
